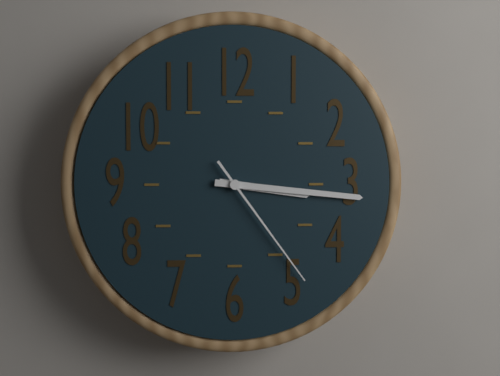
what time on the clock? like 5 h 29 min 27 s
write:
3 h 16 min 24 s
